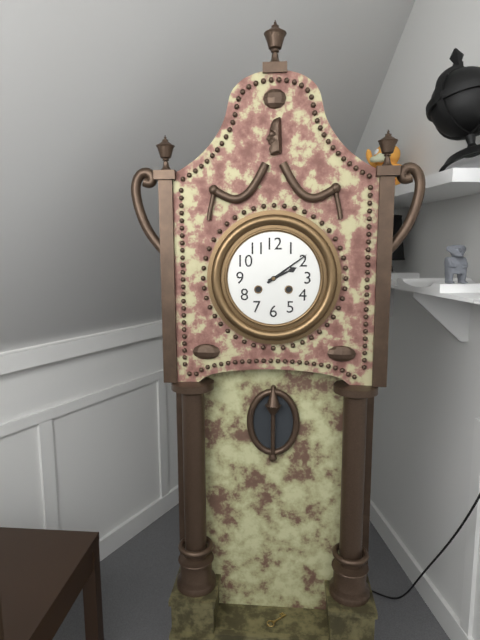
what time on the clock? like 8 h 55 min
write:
2 h 09 min
